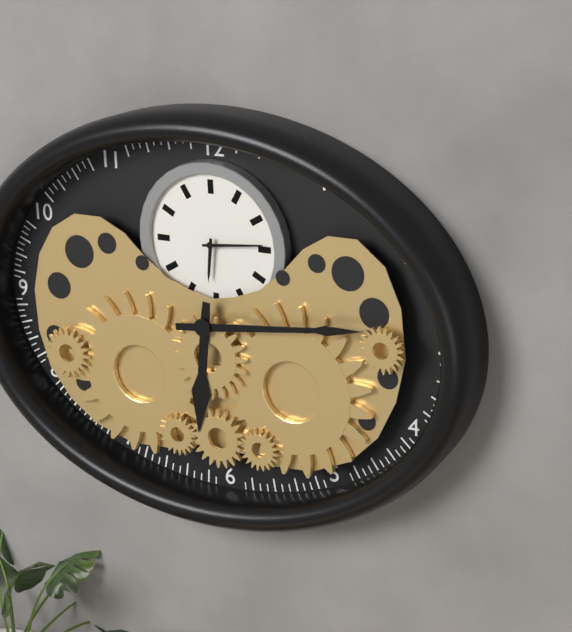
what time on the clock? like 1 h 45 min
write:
6 h 14 min
